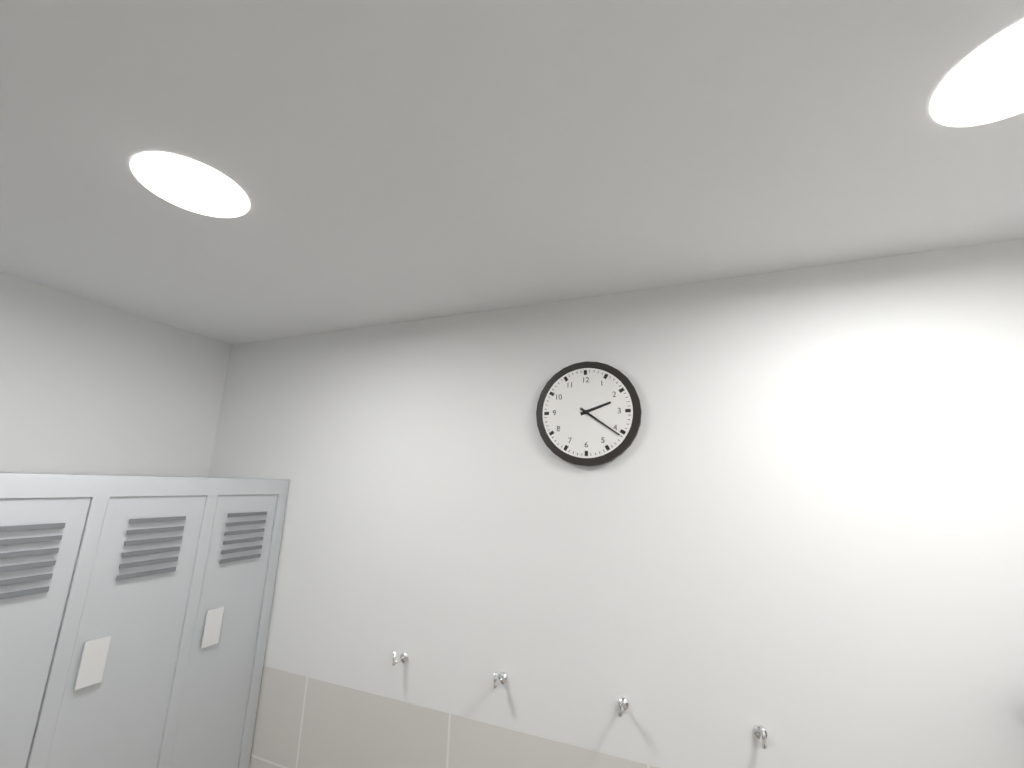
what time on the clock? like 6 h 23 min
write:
2 h 21 min
